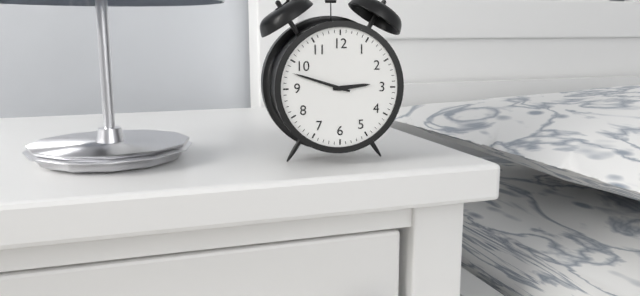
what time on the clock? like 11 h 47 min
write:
2 h 48 min
